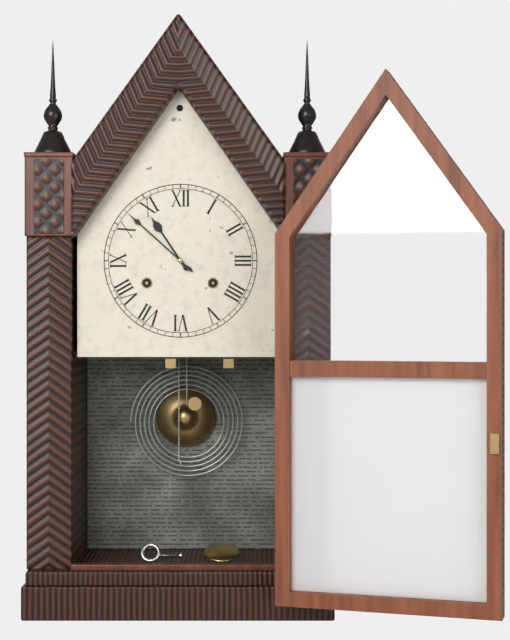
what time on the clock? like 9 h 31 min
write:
10 h 52 min
